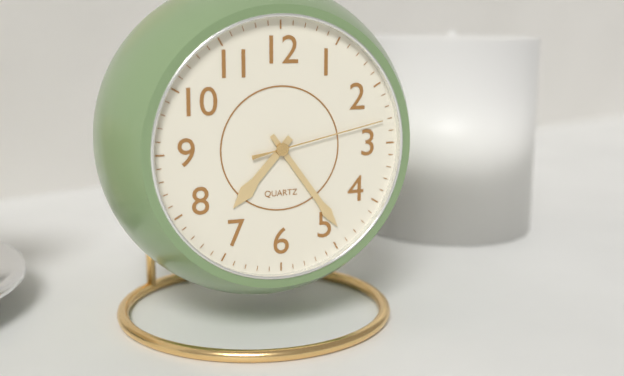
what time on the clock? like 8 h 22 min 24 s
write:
7 h 24 min 13 s
